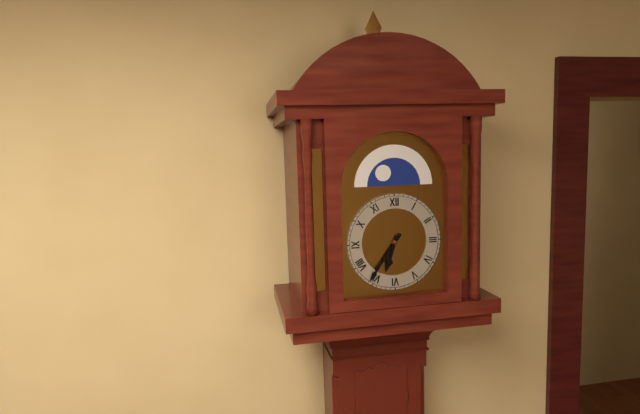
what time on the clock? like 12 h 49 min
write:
6 h 36 min
